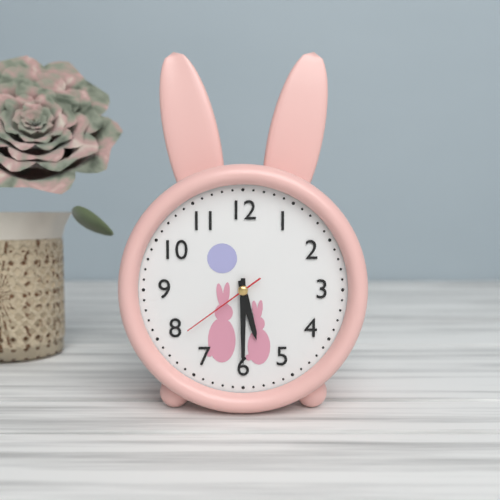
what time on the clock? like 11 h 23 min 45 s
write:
5 h 30 min 39 s
